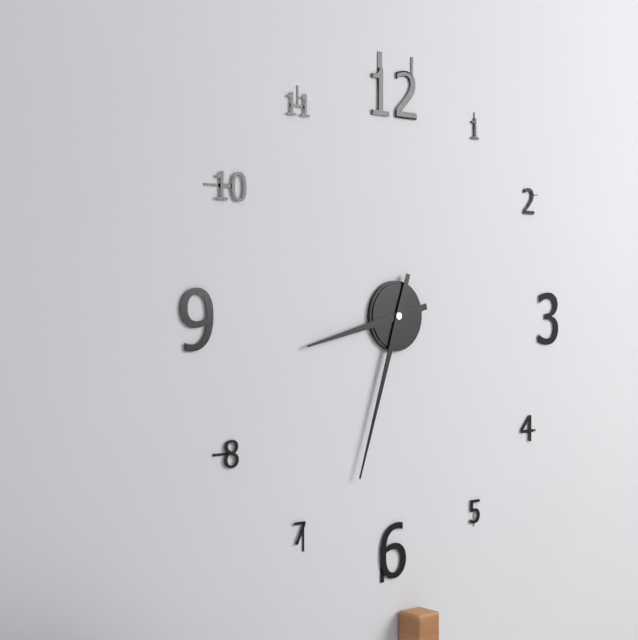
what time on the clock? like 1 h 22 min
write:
8 h 33 min
